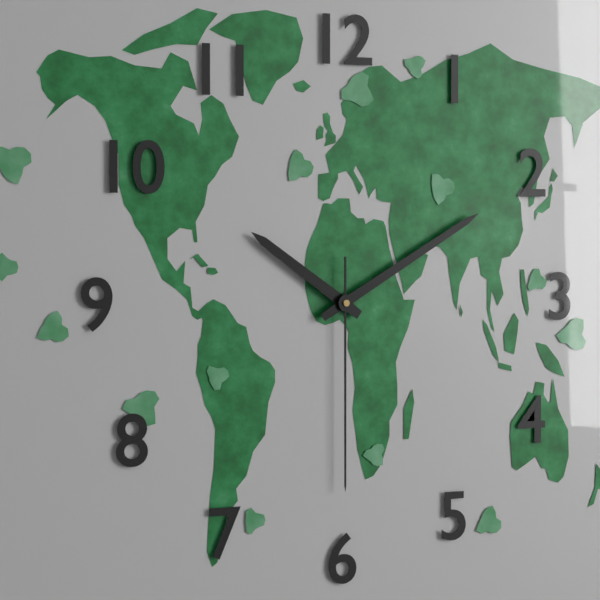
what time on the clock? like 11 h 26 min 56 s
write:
10 h 10 min 30 s
